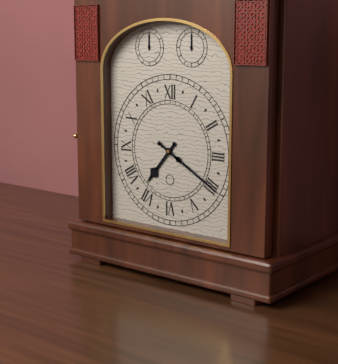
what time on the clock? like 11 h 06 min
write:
7 h 20 min
